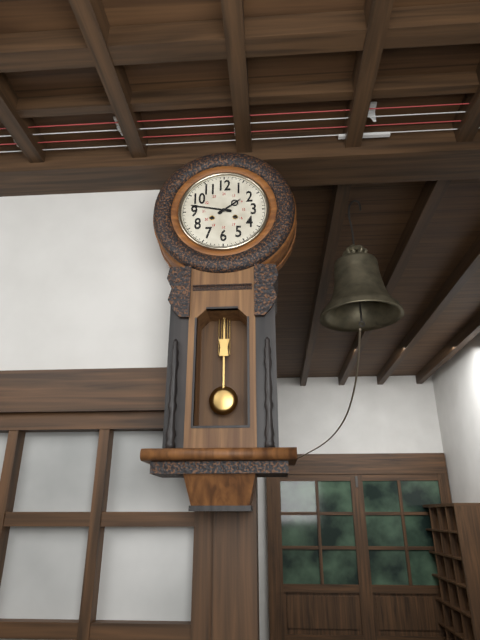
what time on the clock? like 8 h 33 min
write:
1 h 47 min
